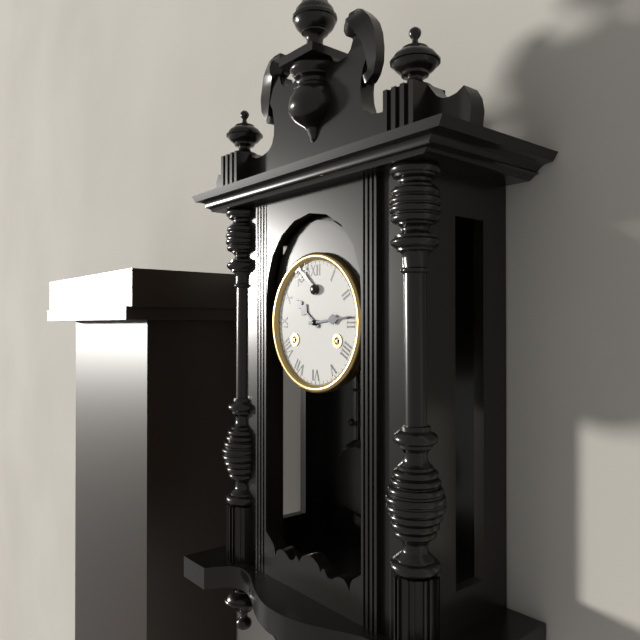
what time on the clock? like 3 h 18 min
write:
10 h 14 min
